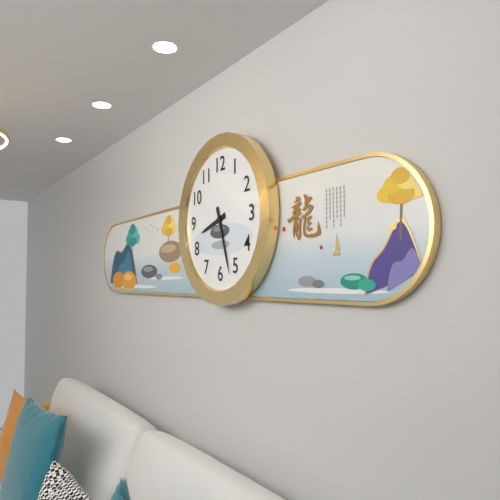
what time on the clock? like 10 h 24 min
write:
8 h 27 min
